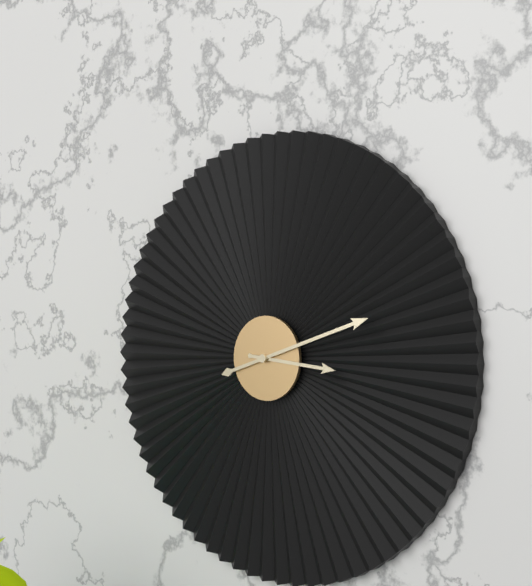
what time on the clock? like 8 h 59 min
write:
3 h 12 min
